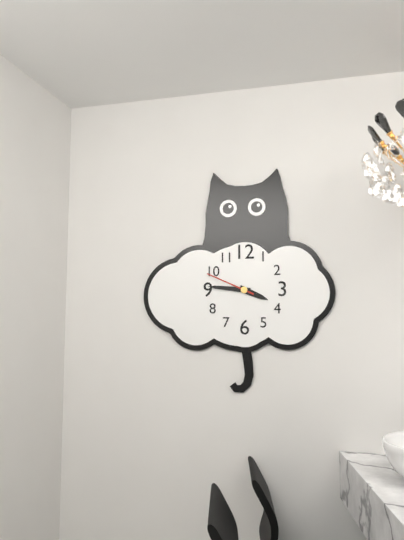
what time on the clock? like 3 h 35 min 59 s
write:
3 h 46 min 49 s
